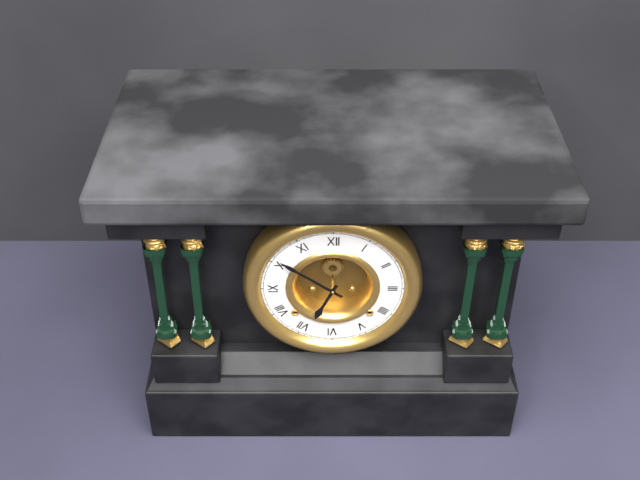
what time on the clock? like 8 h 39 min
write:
6 h 51 min
